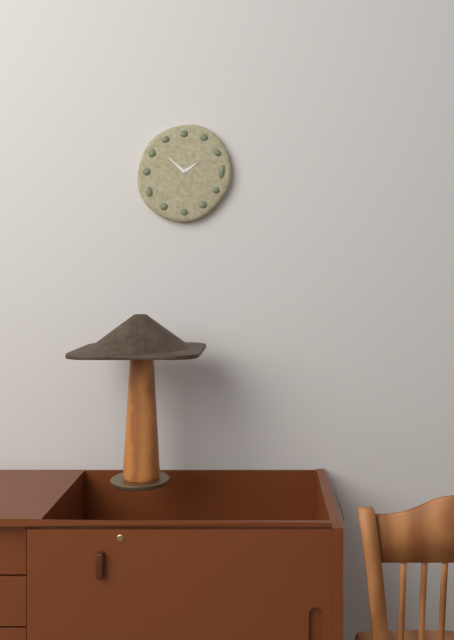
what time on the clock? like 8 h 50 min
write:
1 h 52 min
